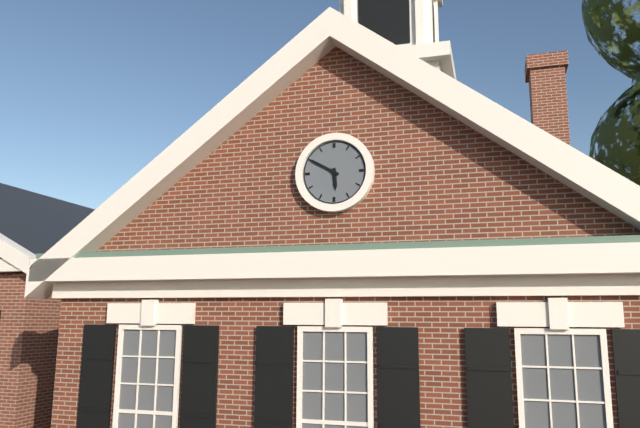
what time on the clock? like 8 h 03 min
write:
5 h 50 min
